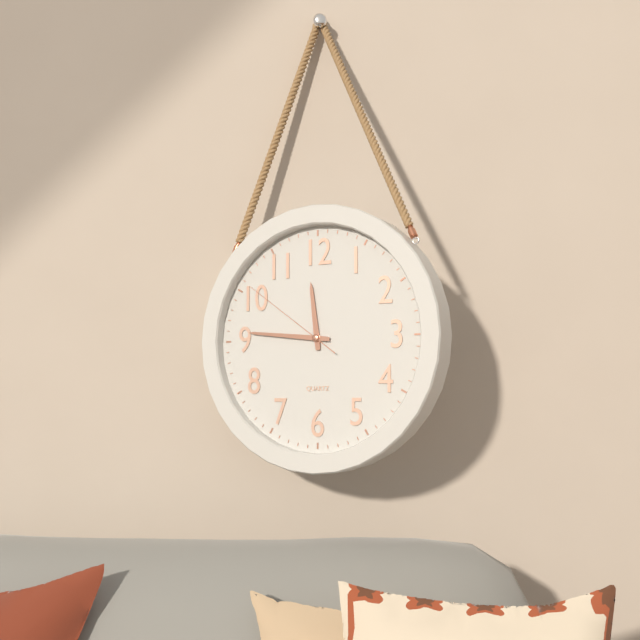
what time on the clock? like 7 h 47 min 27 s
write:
11 h 46 min 51 s
